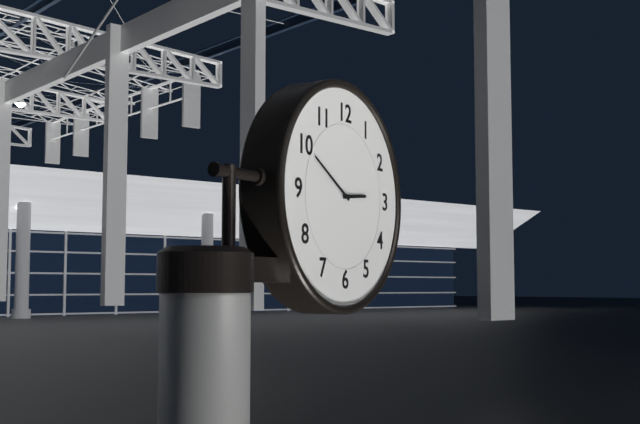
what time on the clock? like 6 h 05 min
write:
2 h 50 min
